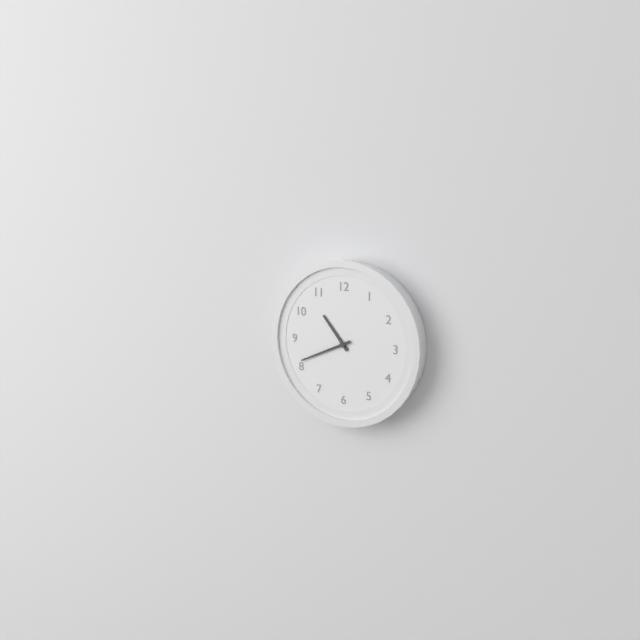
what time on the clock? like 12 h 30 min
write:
10 h 41 min
